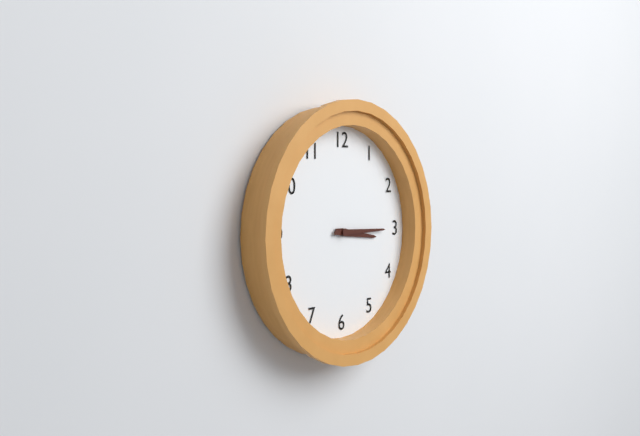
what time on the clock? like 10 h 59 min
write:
3 h 15 min
